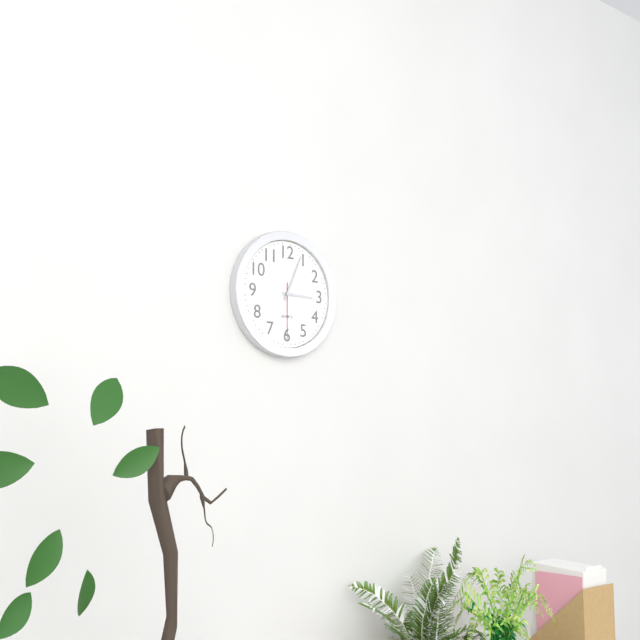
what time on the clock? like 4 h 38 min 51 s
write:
3 h 04 min 30 s
